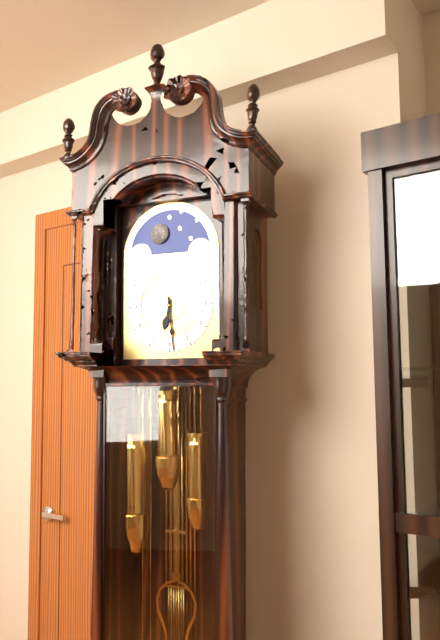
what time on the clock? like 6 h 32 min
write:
6 h 29 min
